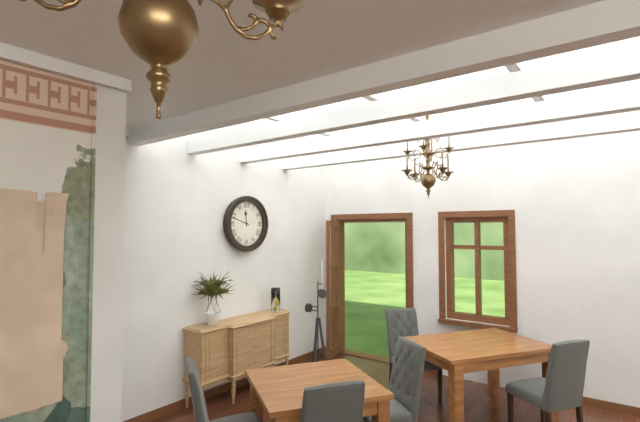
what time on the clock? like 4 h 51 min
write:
11 h 48 min
